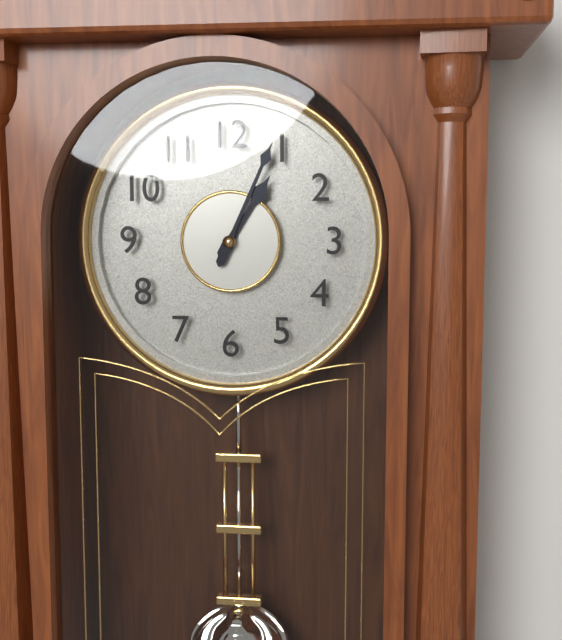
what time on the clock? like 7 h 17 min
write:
1 h 04 min
